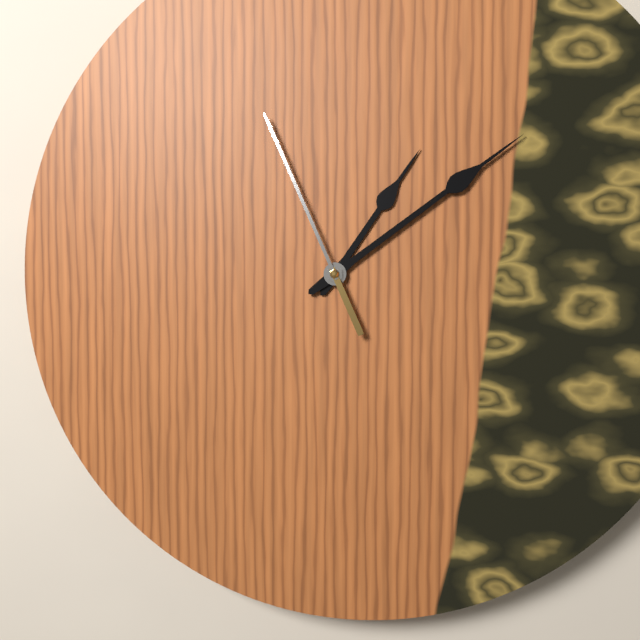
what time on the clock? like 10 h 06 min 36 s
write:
1 h 09 min 56 s
